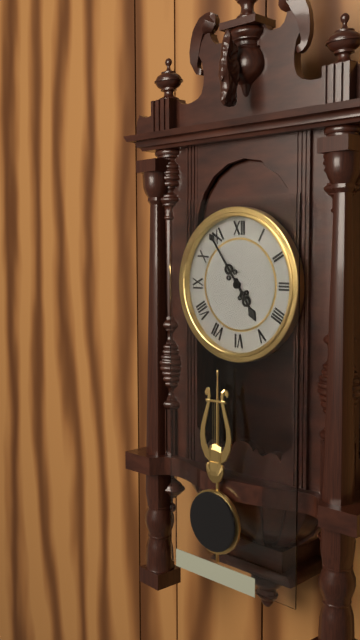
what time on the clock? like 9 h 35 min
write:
4 h 54 min
